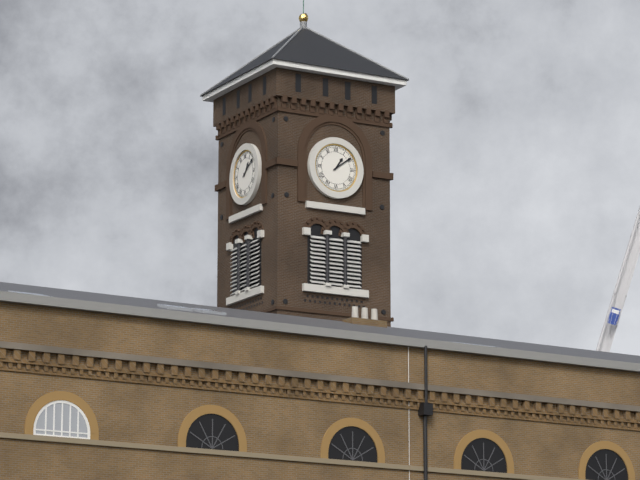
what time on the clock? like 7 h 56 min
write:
1 h 09 min
